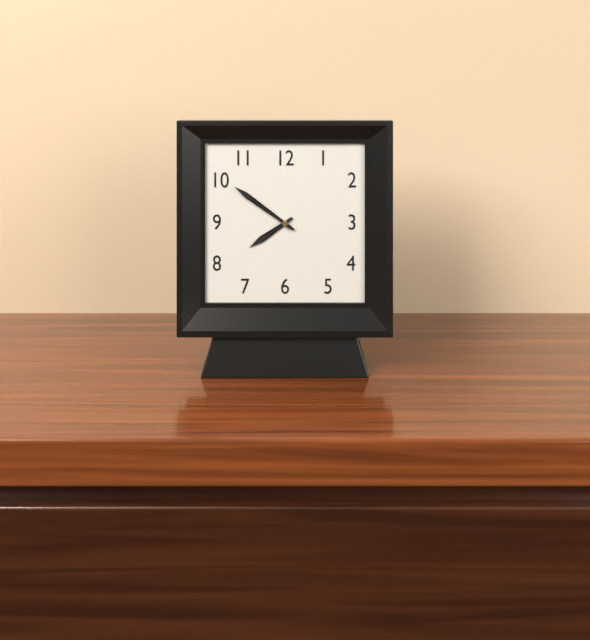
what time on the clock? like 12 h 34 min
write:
7 h 51 min
